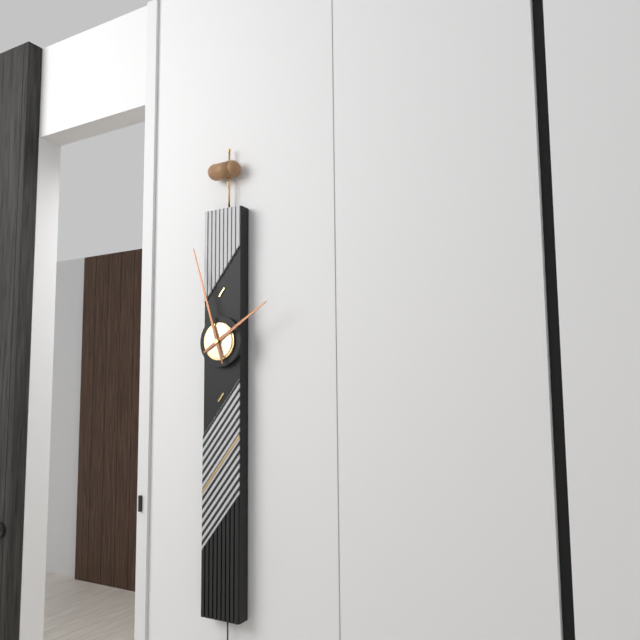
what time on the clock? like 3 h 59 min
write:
1 h 57 min
